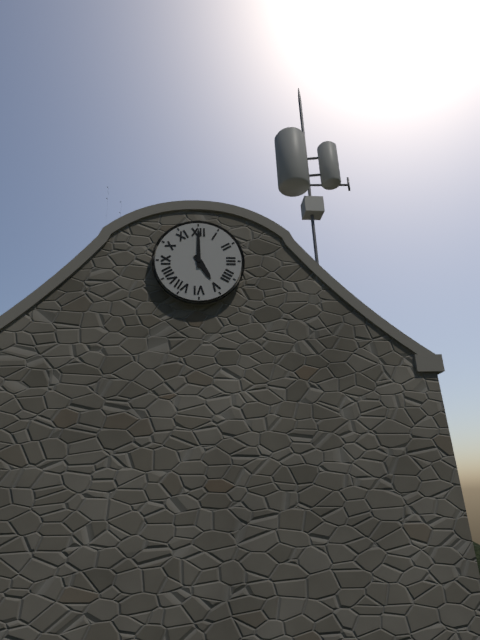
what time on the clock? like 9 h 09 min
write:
5 h 00 min
